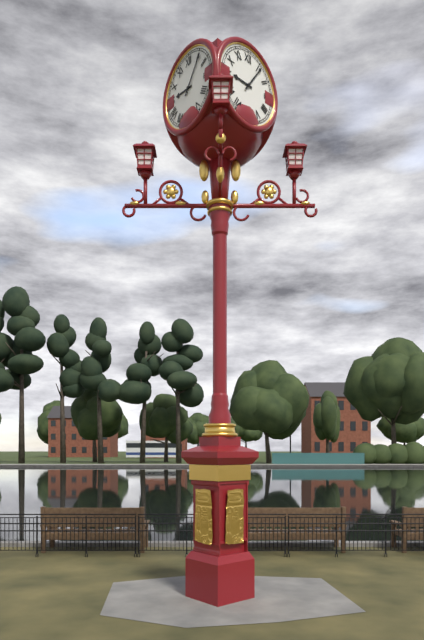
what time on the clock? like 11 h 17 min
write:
9 h 06 min
